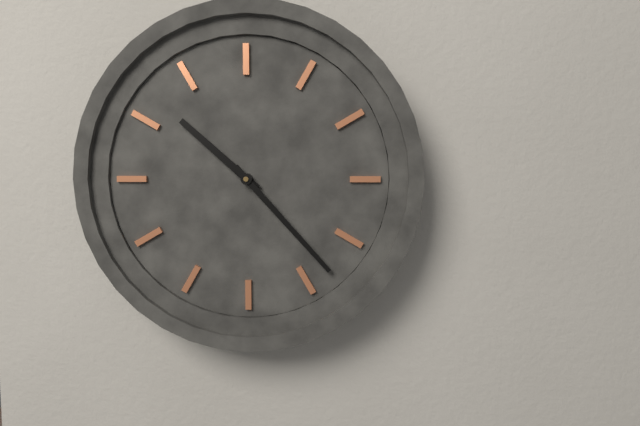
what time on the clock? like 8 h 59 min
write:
10 h 23 min
